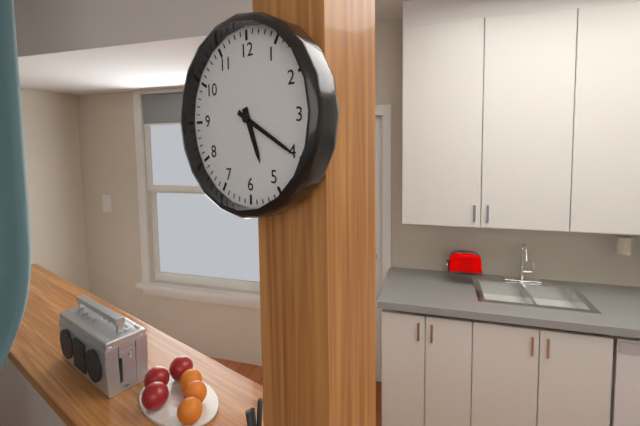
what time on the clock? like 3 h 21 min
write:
5 h 20 min
